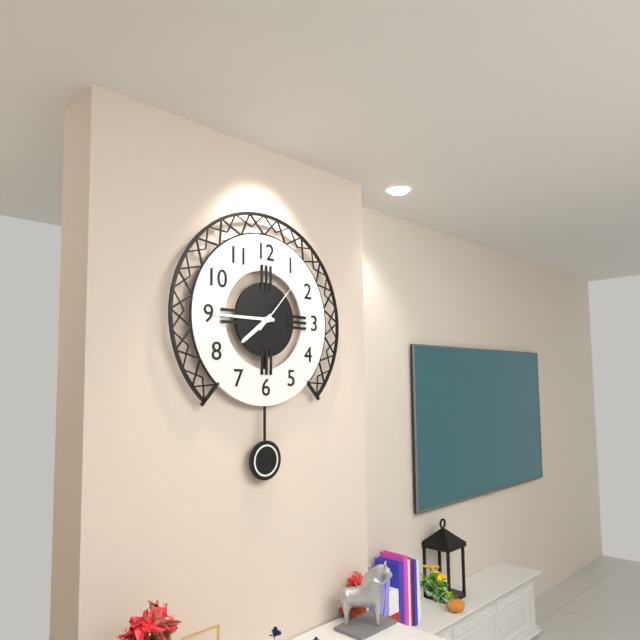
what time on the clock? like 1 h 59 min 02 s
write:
7 h 45 min 07 s
